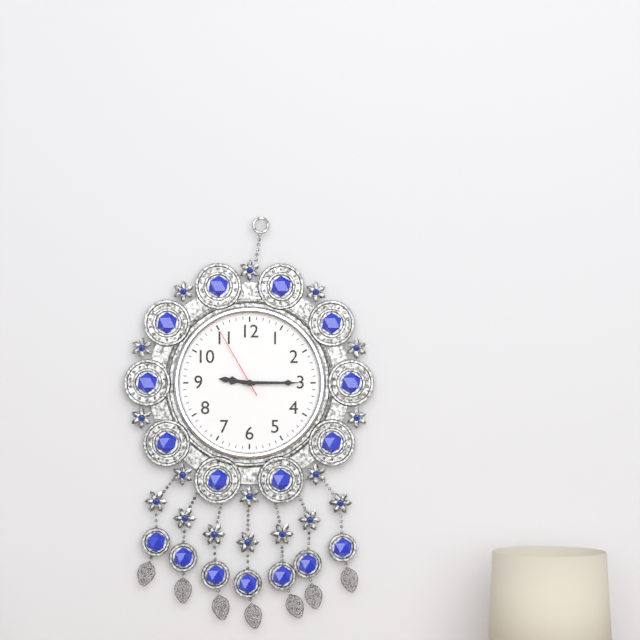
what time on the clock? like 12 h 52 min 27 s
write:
9 h 15 min 55 s
